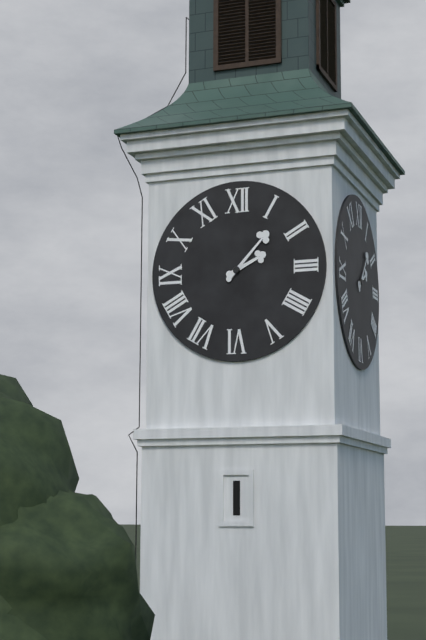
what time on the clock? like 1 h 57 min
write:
2 h 07 min
